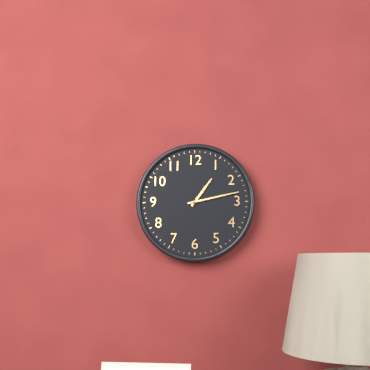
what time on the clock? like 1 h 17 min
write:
1 h 13 min
